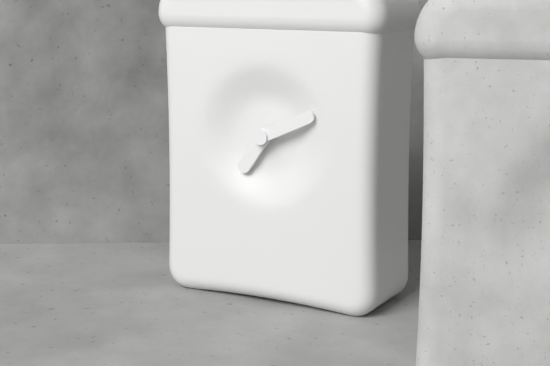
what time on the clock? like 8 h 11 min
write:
7 h 11 min
